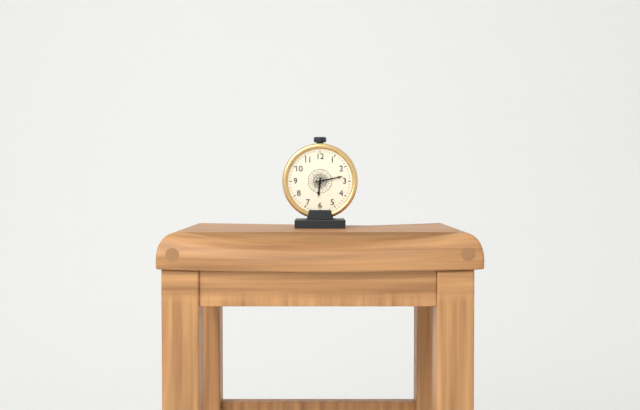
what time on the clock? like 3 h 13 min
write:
6 h 13 min
